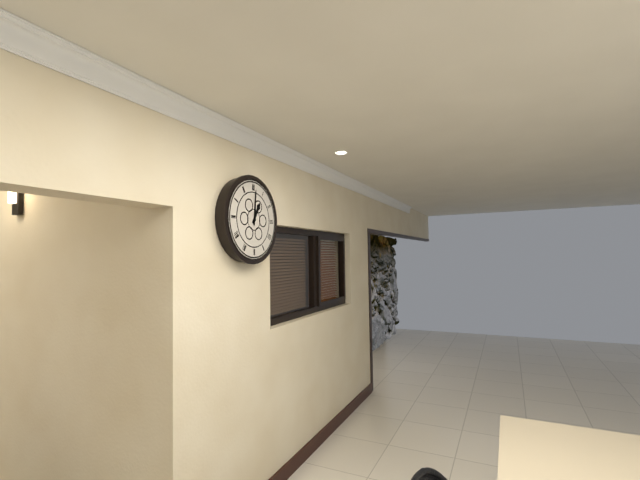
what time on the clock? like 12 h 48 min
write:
1 h 01 min
